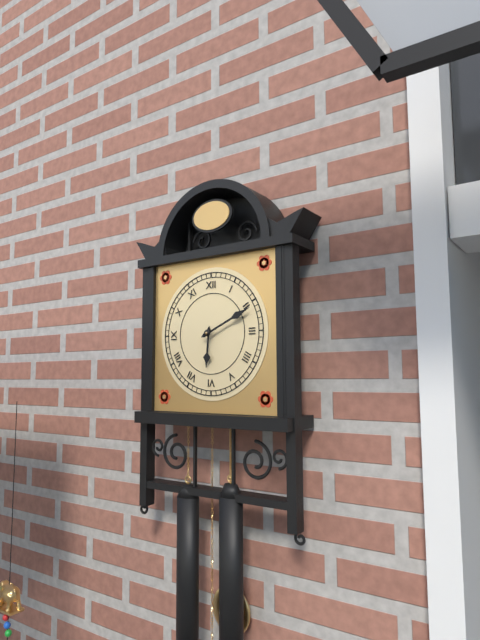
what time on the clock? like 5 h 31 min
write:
6 h 11 min
